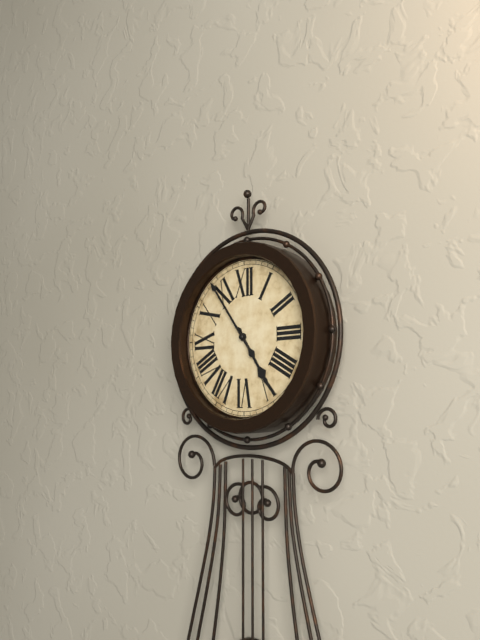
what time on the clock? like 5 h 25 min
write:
4 h 54 min
